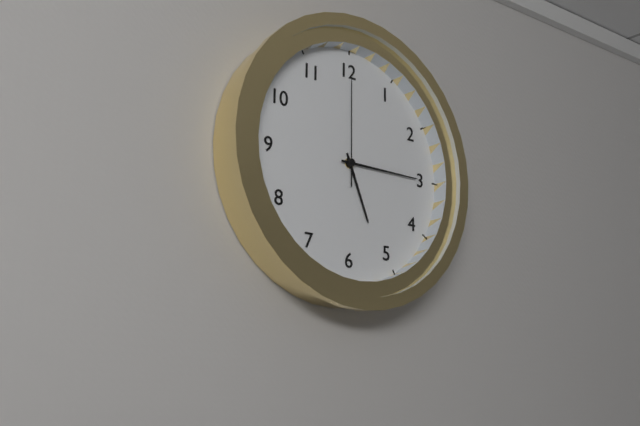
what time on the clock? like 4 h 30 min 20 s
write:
5 h 15 min 00 s
